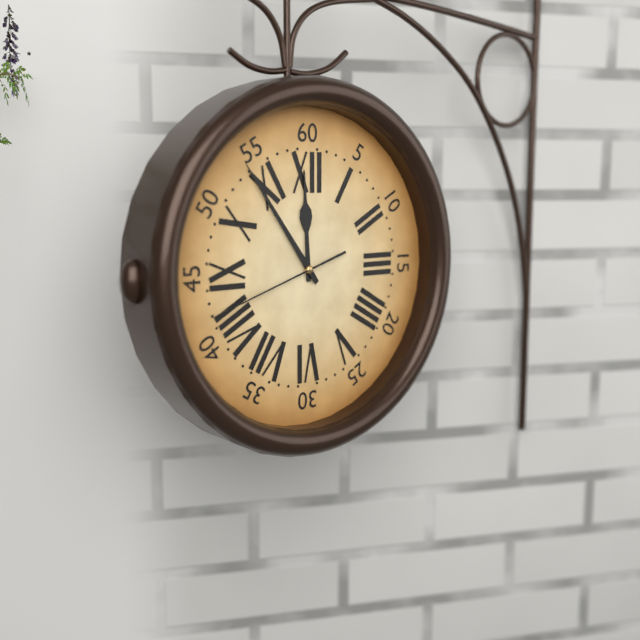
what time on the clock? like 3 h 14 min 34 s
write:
11 h 54 min 42 s
